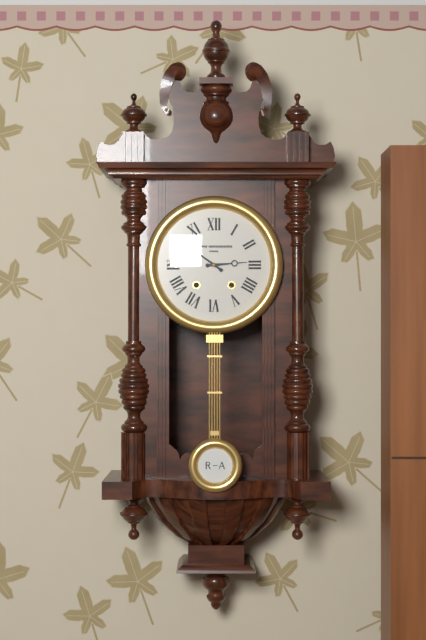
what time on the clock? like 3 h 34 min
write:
2 h 51 min
